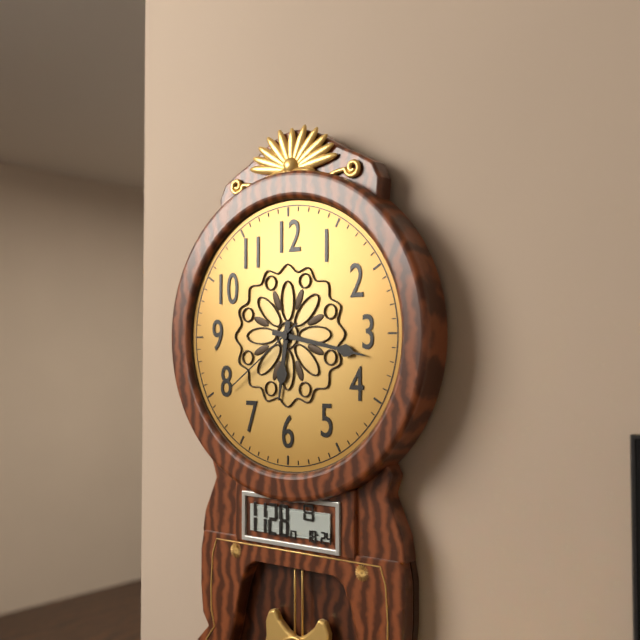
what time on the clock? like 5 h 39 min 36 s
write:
6 h 17 min 39 s
